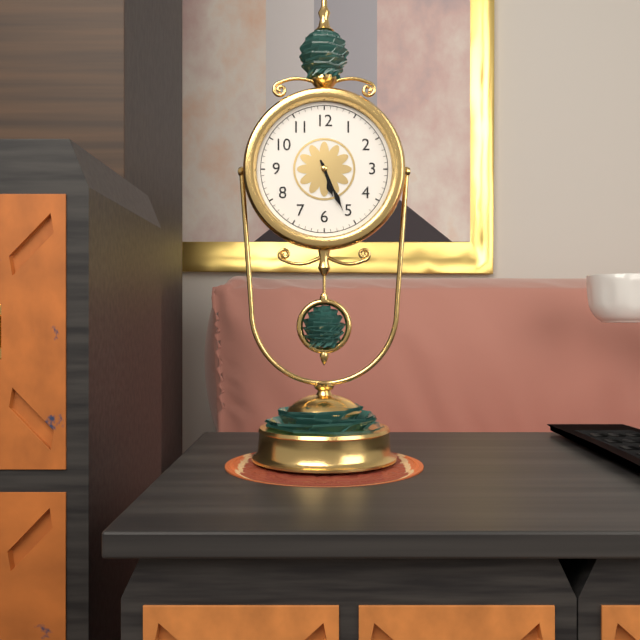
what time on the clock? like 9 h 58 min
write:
5 h 26 min
